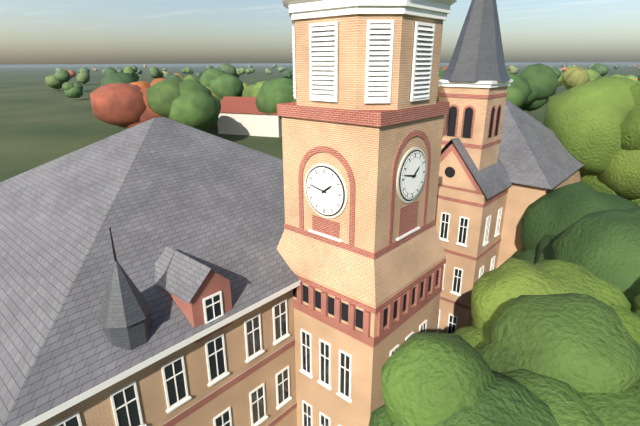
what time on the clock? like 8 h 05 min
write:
1 h 47 min
